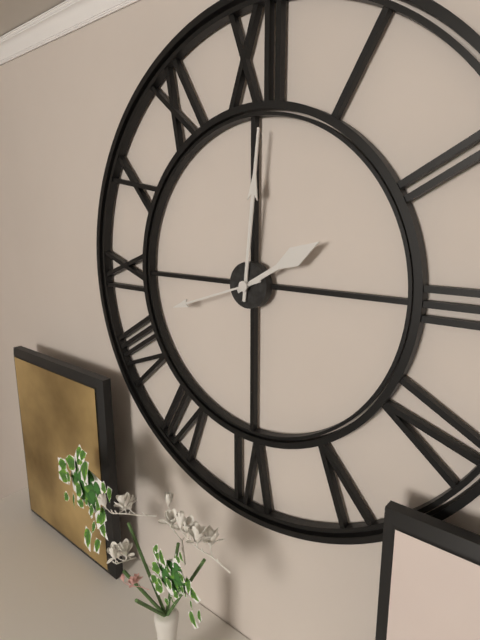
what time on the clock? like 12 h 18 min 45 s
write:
2 h 01 min 42 s
